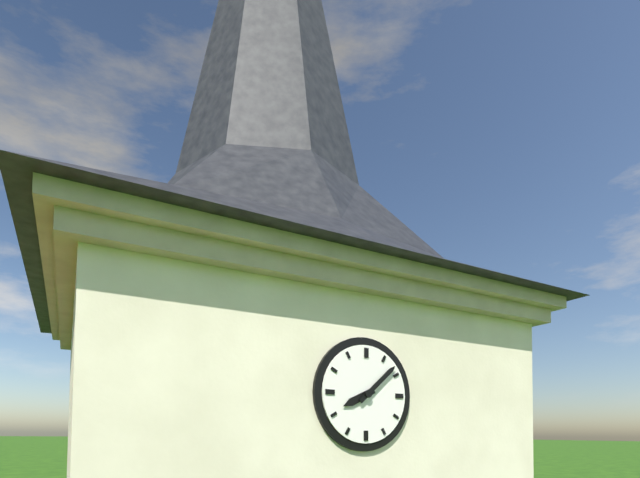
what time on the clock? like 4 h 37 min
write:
8 h 08 min
